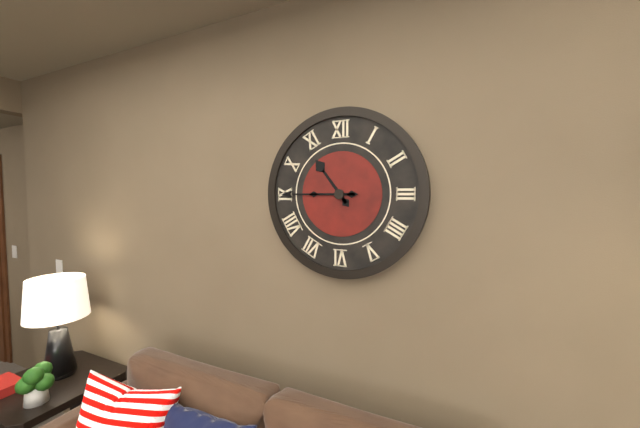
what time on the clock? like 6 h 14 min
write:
10 h 45 min
